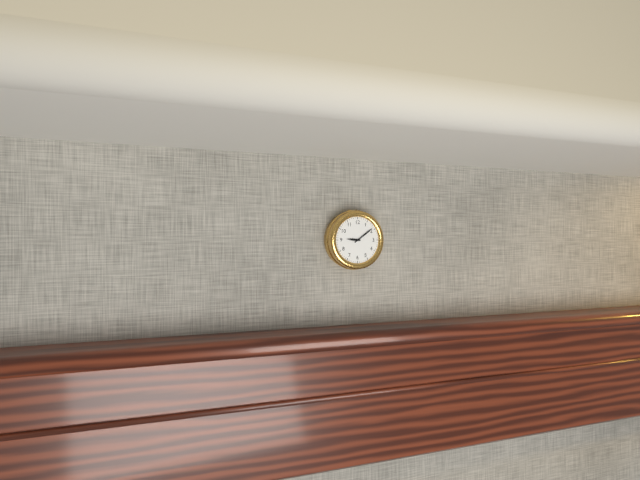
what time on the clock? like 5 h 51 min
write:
9 h 09 min
